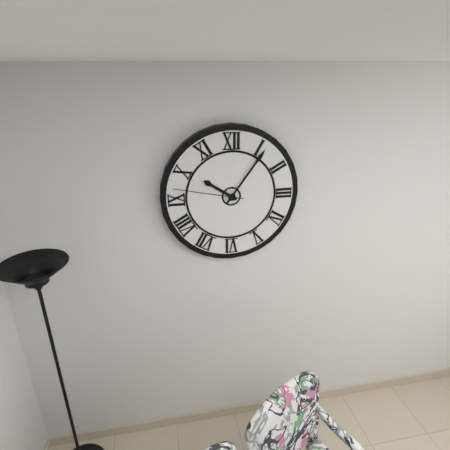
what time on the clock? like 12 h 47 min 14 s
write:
10 h 06 min 47 s
